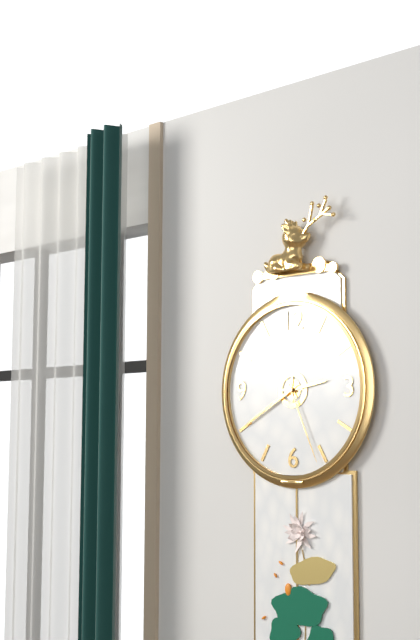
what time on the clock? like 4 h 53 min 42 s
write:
2 h 40 min 26 s
